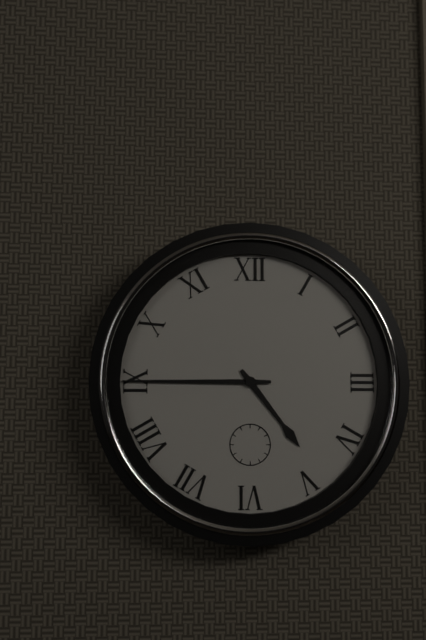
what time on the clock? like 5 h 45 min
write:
4 h 45 min
